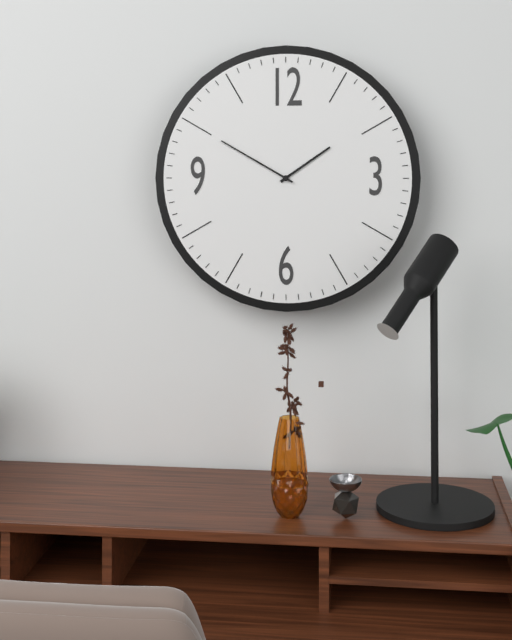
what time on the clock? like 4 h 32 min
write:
1 h 50 min
